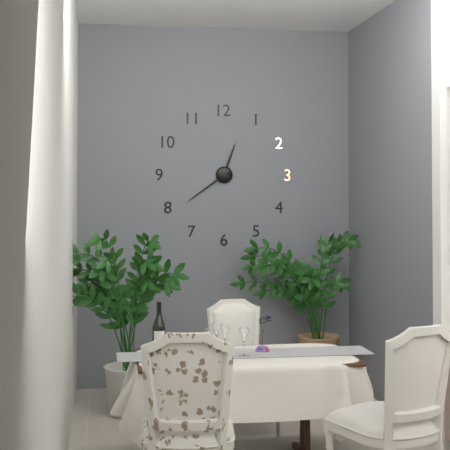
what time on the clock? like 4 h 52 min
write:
12 h 39 min
